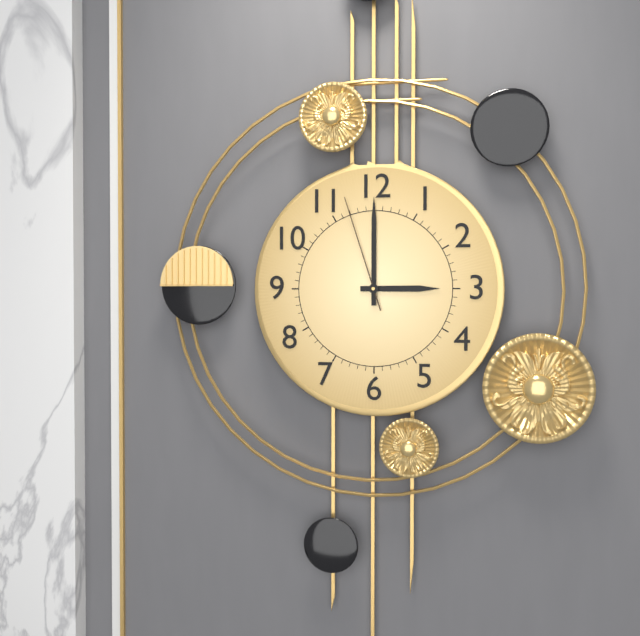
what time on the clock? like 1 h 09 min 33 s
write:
3 h 00 min 57 s
